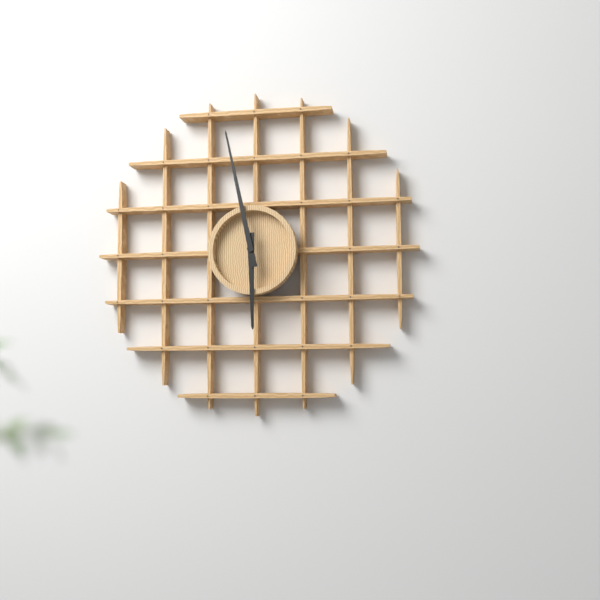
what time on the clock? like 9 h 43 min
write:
5 h 58 min
